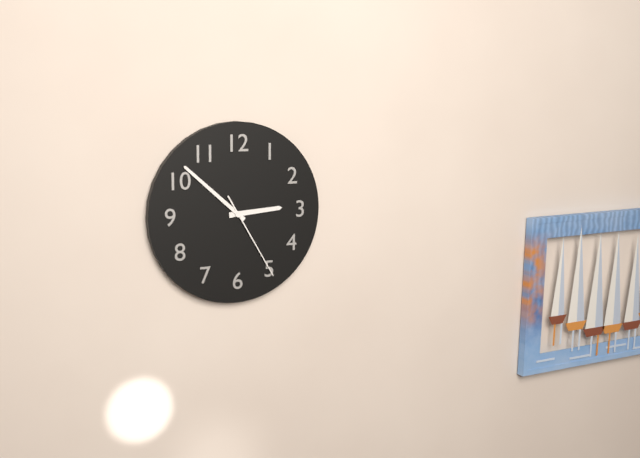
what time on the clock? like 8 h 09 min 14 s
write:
2 h 52 min 25 s
